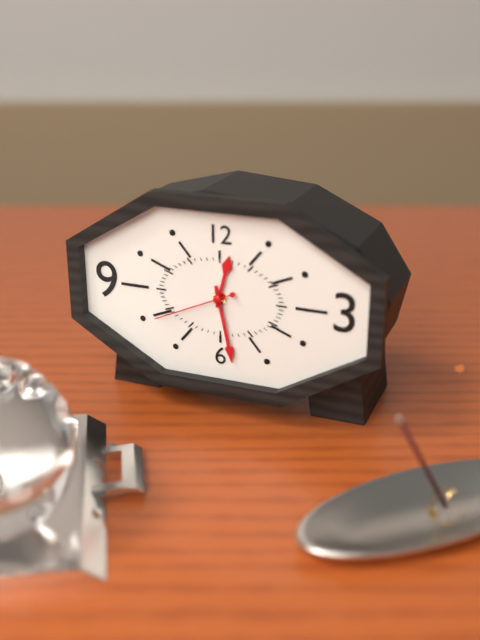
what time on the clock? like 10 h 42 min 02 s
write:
12 h 28 min 41 s
